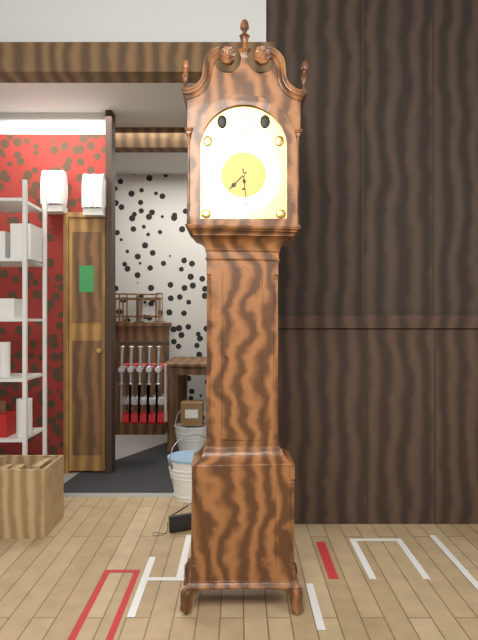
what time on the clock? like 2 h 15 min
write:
7 h 29 min
